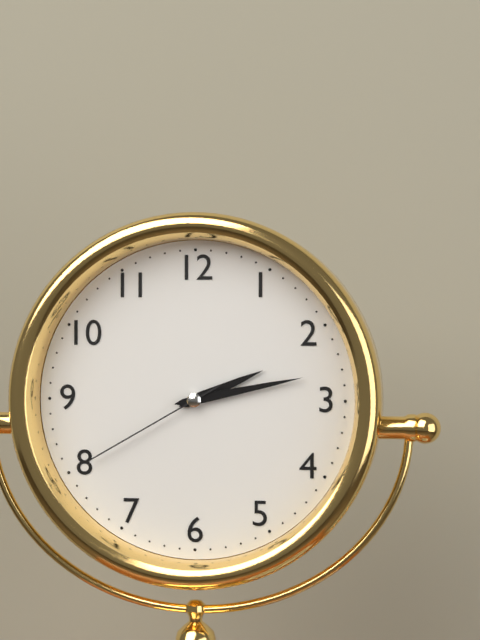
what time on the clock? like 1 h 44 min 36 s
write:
2 h 13 min 40 s
